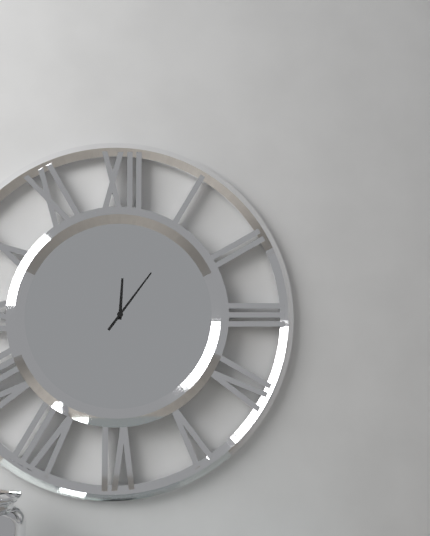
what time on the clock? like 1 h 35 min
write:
12 h 06 min
